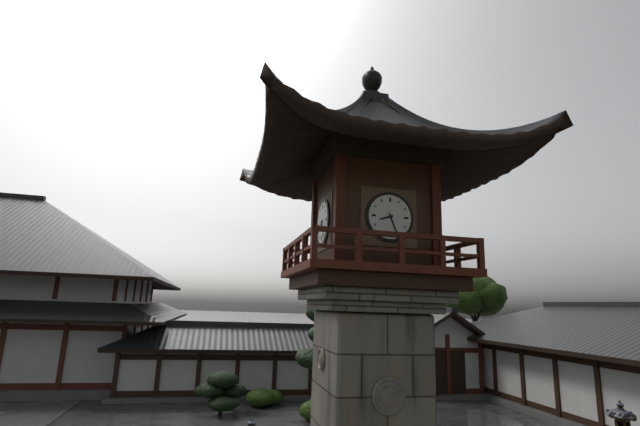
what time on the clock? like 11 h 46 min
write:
8 h 26 min
